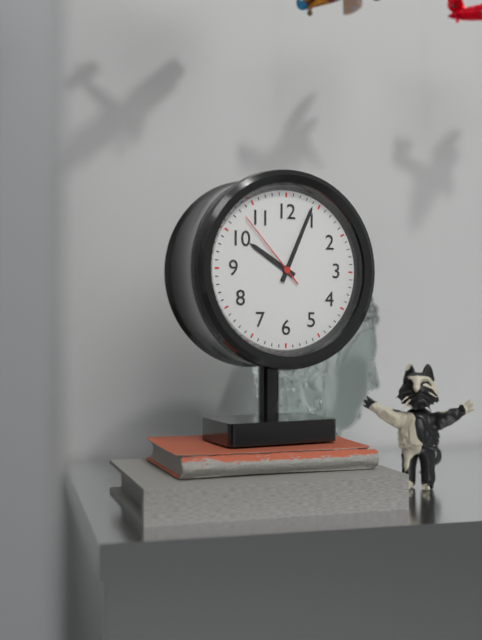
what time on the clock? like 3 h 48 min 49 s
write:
10 h 04 min 53 s
